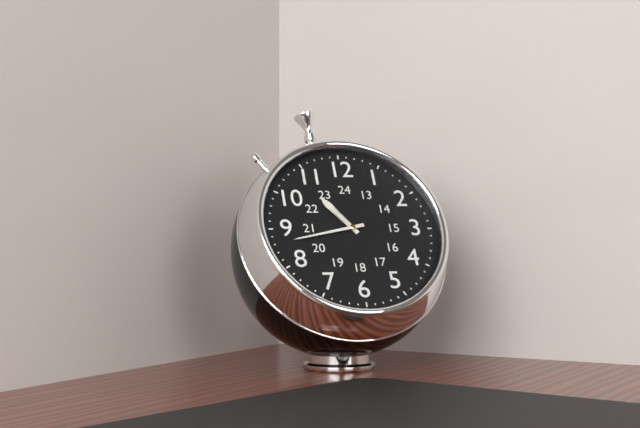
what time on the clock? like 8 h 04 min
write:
10 h 43 min
